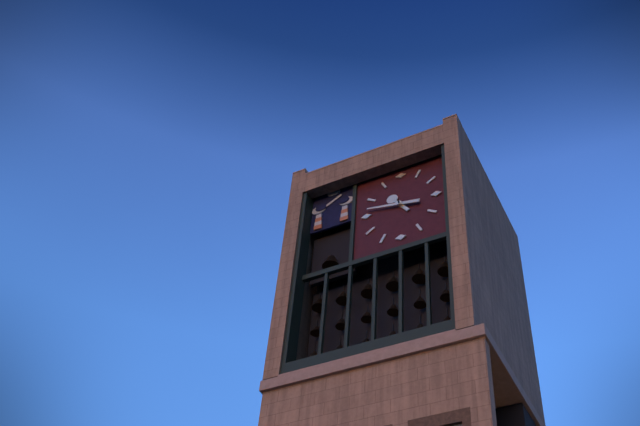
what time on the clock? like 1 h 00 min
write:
10 h 47 min
